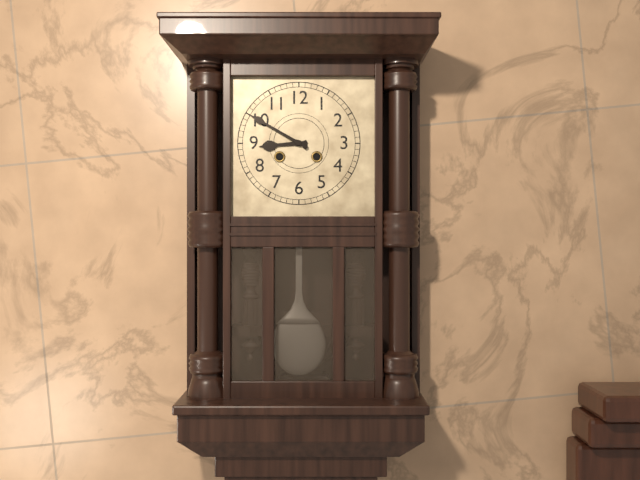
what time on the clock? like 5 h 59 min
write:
8 h 50 min
